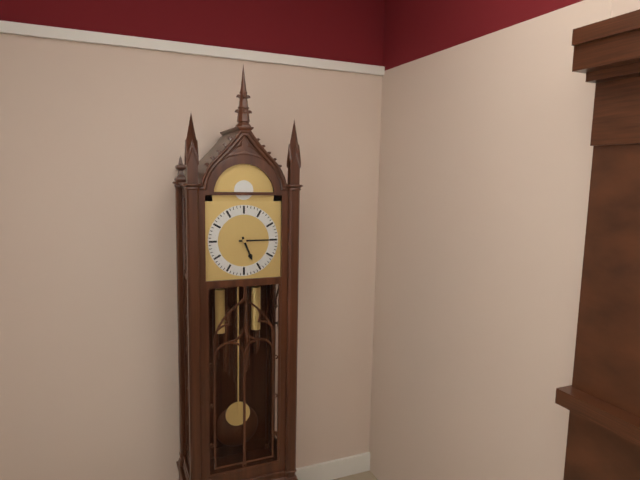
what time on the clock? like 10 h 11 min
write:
5 h 15 min
